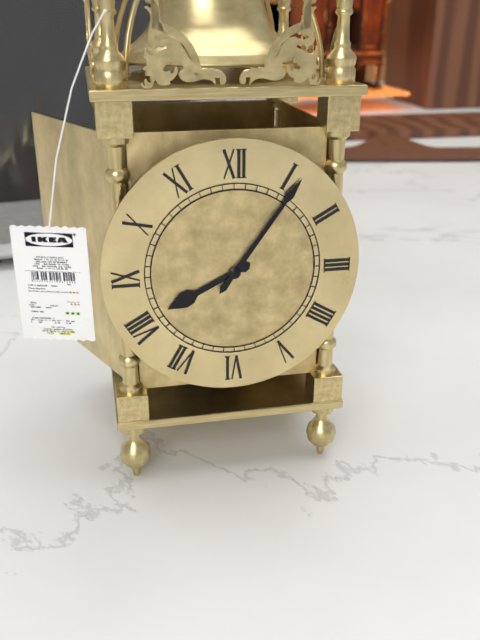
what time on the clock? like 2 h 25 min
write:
8 h 06 min
